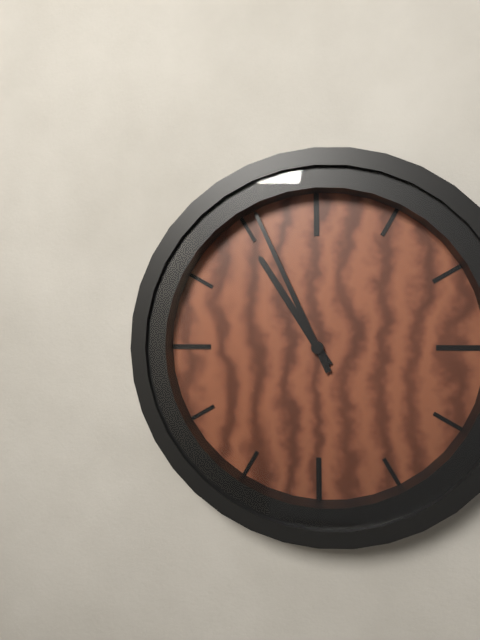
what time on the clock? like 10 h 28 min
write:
10 h 56 min
